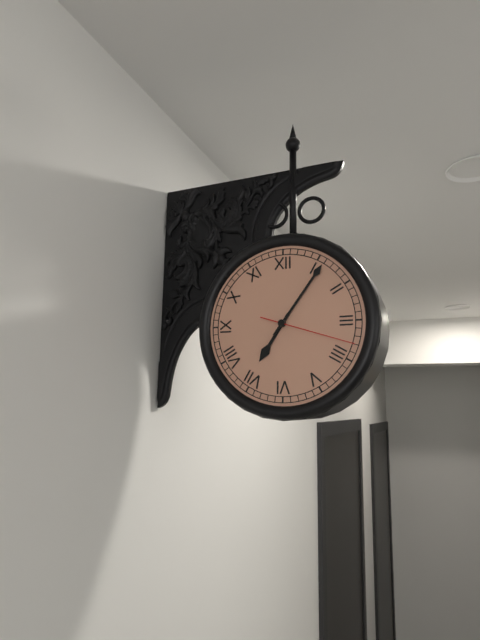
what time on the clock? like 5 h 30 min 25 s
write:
7 h 06 min 18 s
